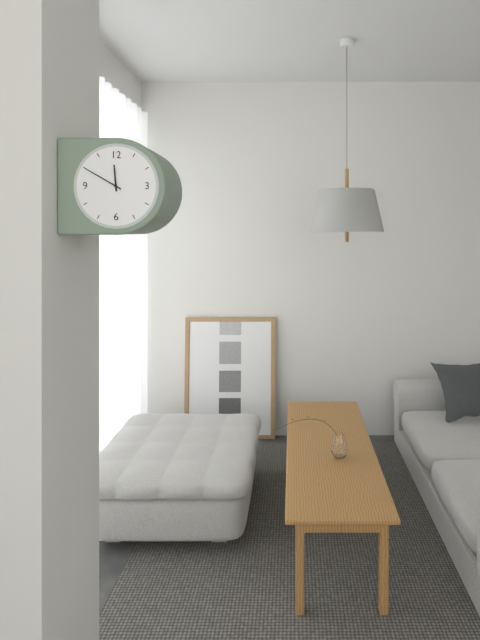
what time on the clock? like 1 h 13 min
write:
11 h 50 min
